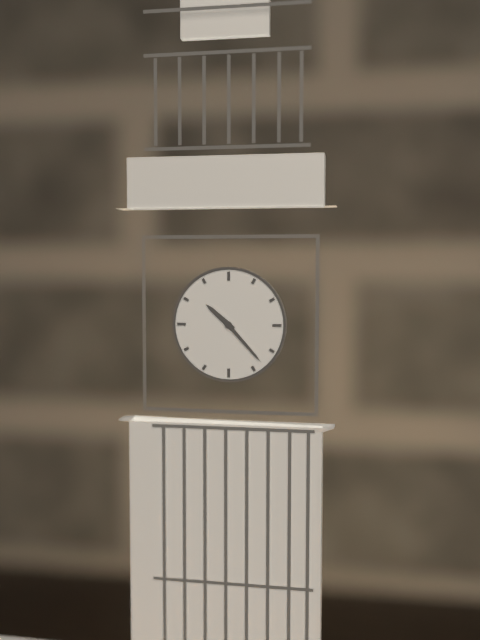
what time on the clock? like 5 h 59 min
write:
10 h 23 min
